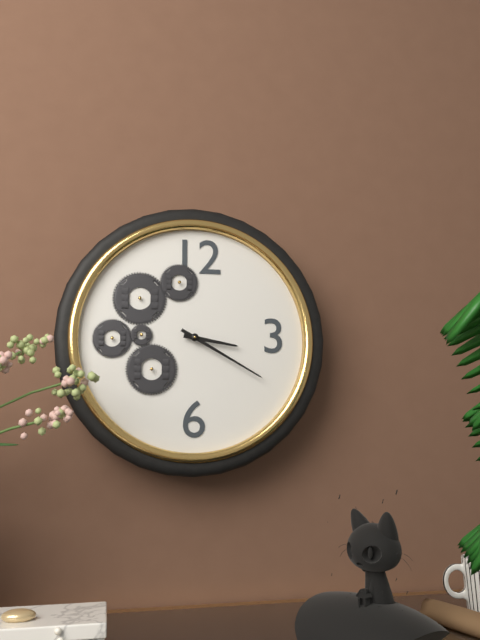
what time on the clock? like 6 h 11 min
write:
3 h 20 min
